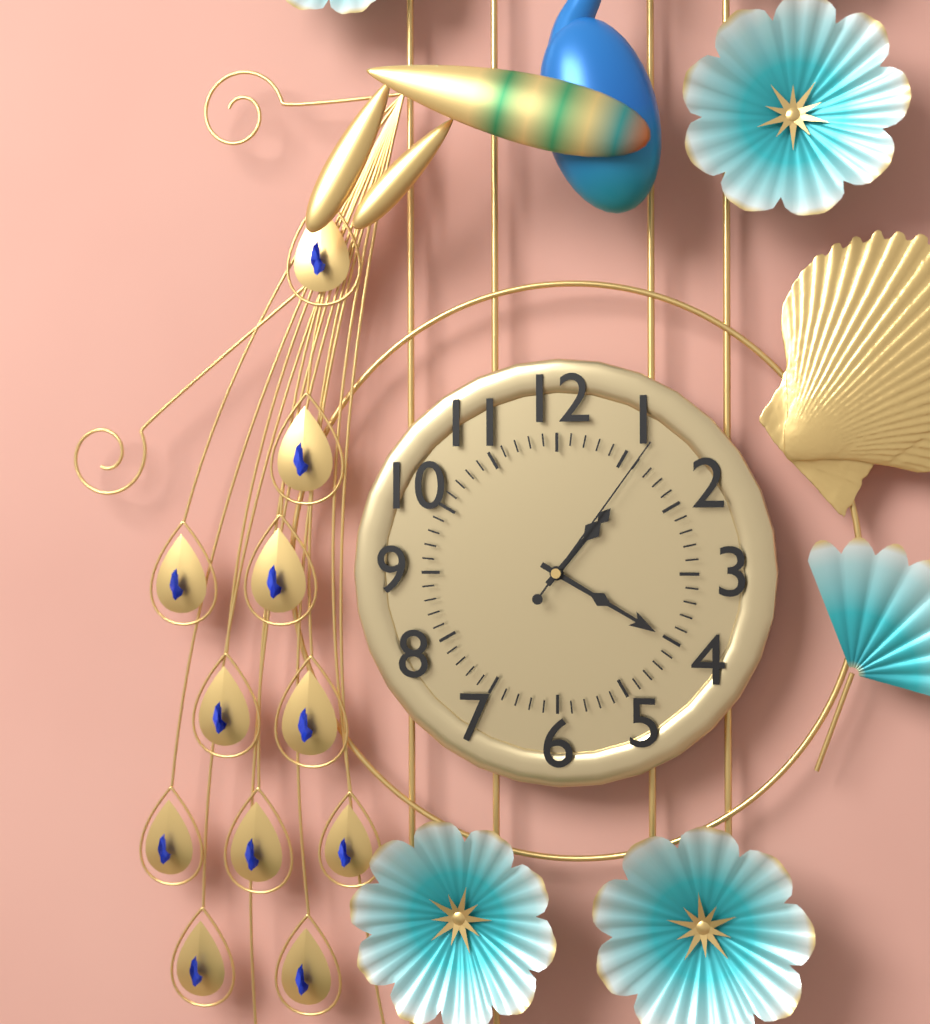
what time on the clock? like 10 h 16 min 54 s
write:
1 h 20 min 06 s
